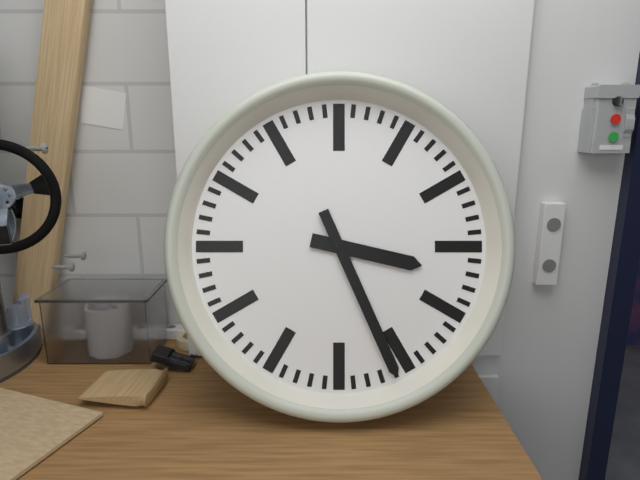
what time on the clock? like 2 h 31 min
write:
3 h 26 min
